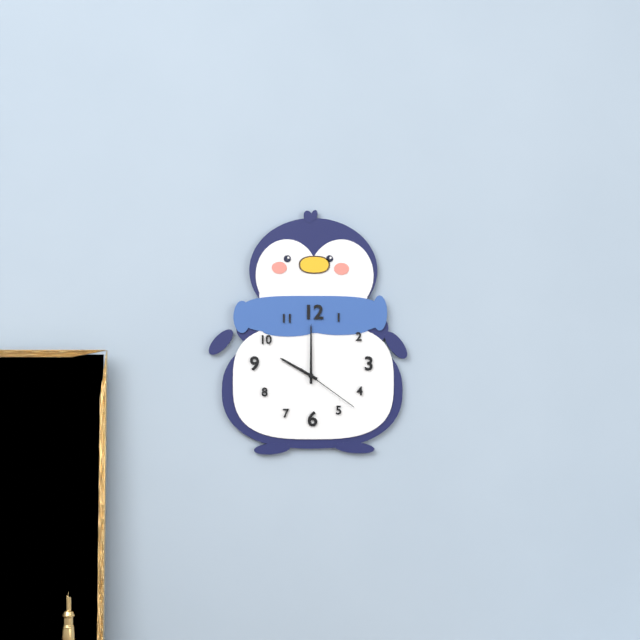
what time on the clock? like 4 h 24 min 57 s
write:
10 h 00 min 21 s
